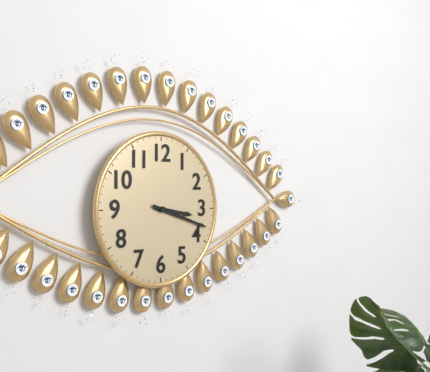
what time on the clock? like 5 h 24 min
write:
3 h 18 min
